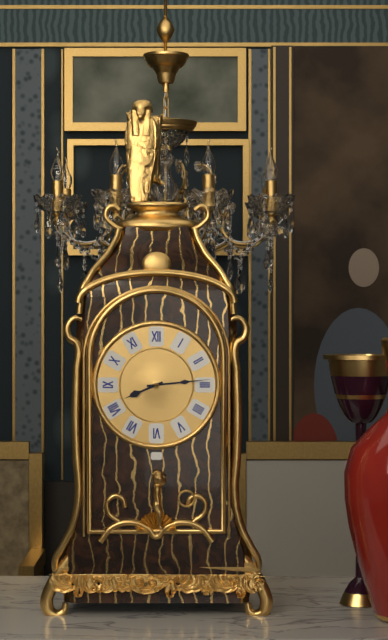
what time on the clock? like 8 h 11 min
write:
8 h 14 min
